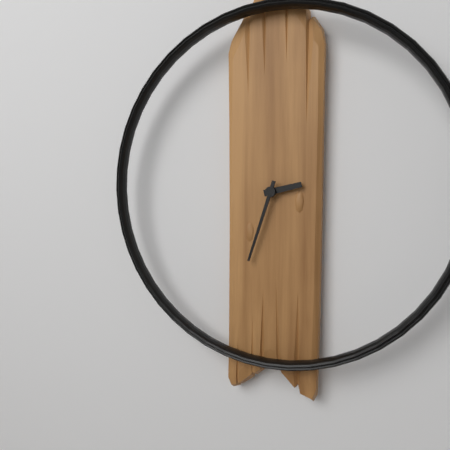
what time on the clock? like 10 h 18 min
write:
2 h 33 min
